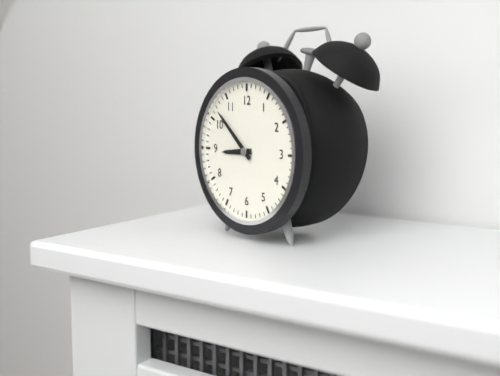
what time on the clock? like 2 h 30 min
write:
8 h 52 min
